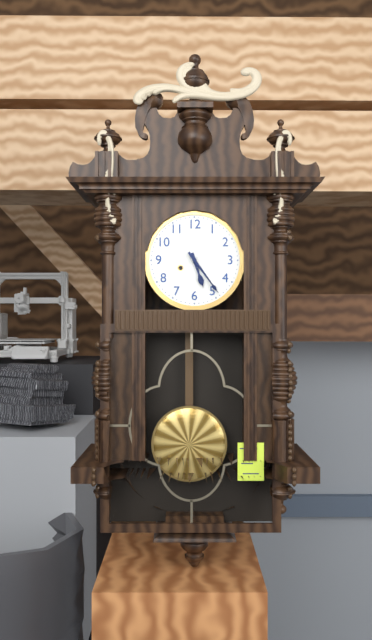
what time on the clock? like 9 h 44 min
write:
5 h 24 min
